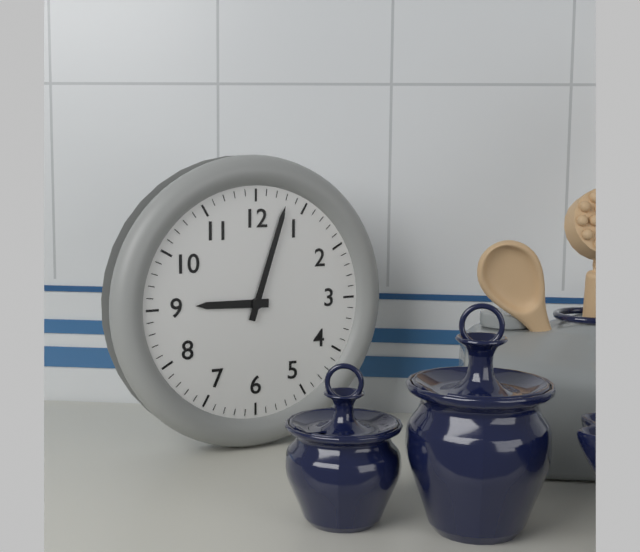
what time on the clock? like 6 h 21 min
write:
9 h 03 min
